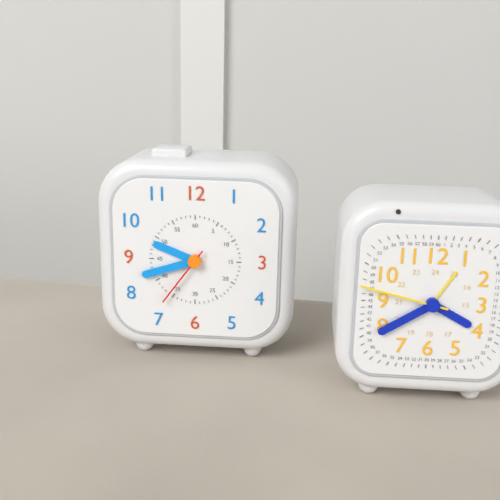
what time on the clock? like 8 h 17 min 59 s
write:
9 h 42 min 36 s
